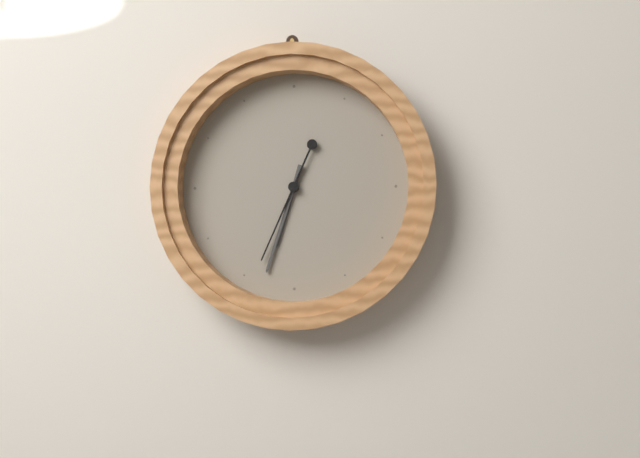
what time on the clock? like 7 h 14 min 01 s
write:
6 h 33 min 34 s
